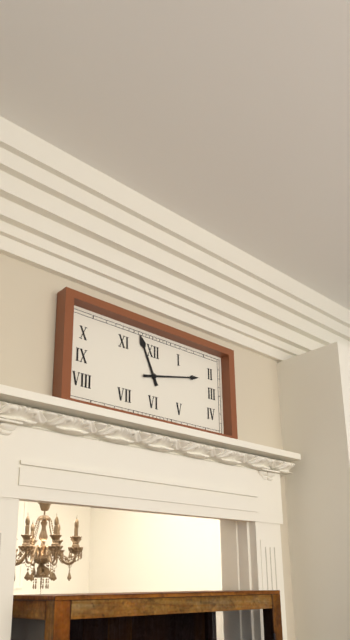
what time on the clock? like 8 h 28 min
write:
11 h 13 min
